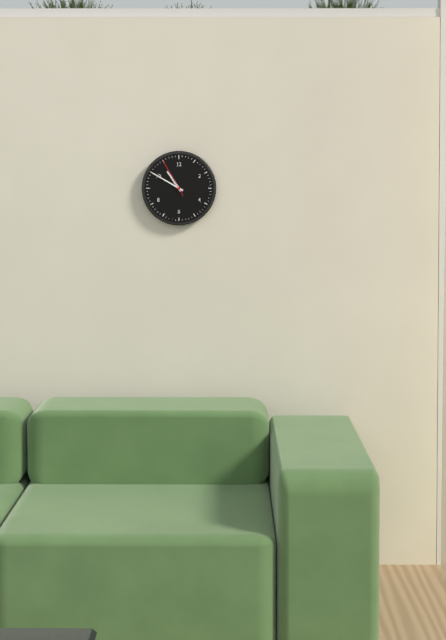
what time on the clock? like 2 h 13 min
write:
10 h 50 min
